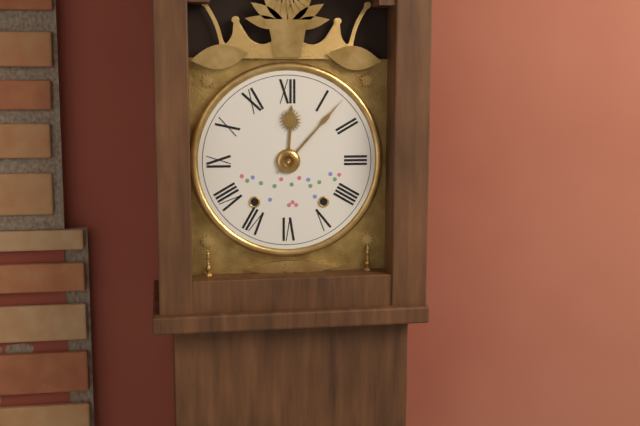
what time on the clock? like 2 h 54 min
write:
12 h 07 min
